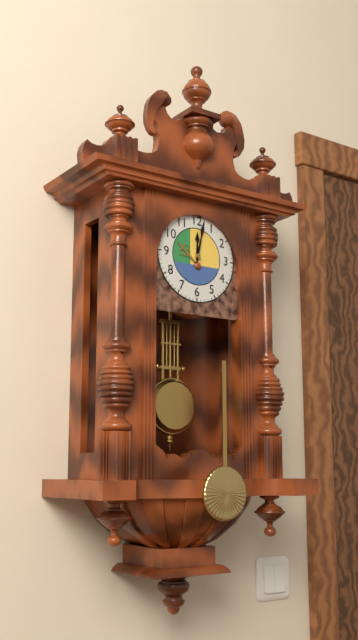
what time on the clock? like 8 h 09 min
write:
12 h 02 min
